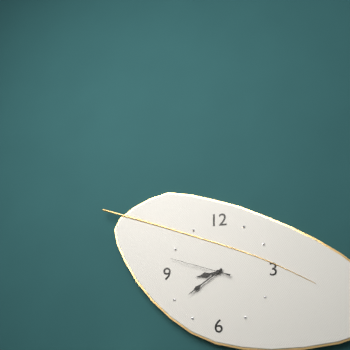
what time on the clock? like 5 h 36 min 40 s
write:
8 h 39 min 48 s
